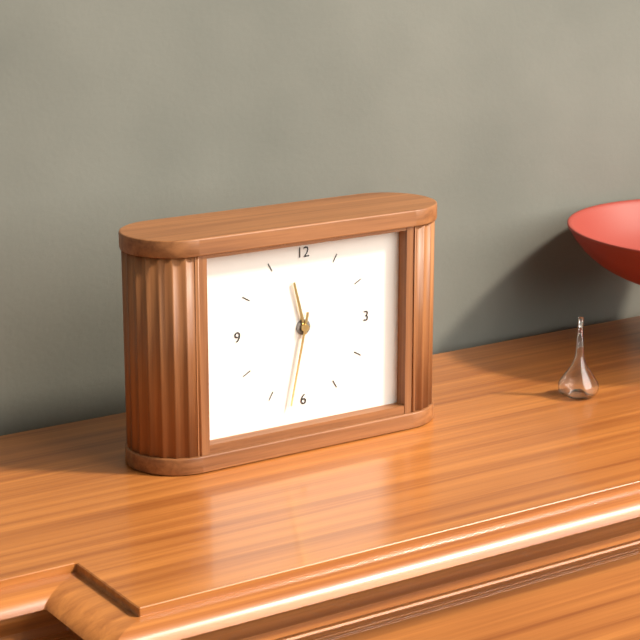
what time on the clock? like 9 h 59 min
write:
11 h 32 min
